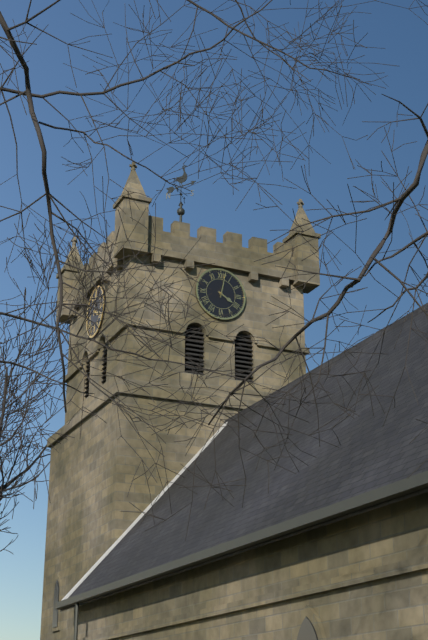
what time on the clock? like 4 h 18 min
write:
4 h 02 min
